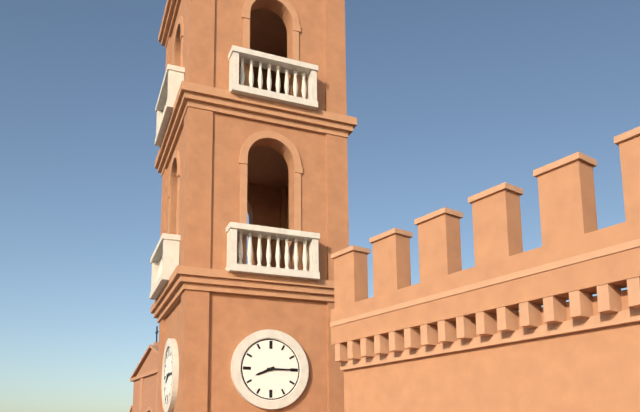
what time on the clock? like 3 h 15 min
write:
8 h 15 min
